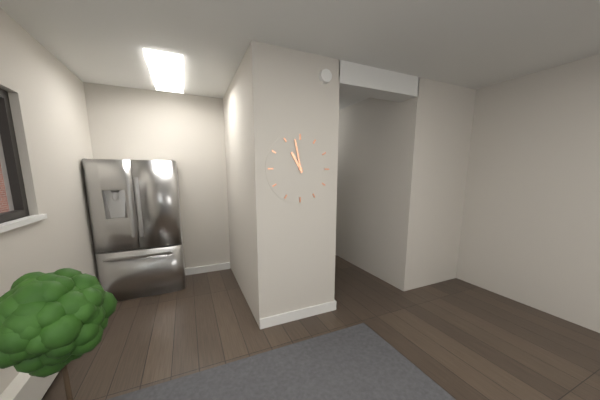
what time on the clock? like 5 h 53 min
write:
10 h 58 min
